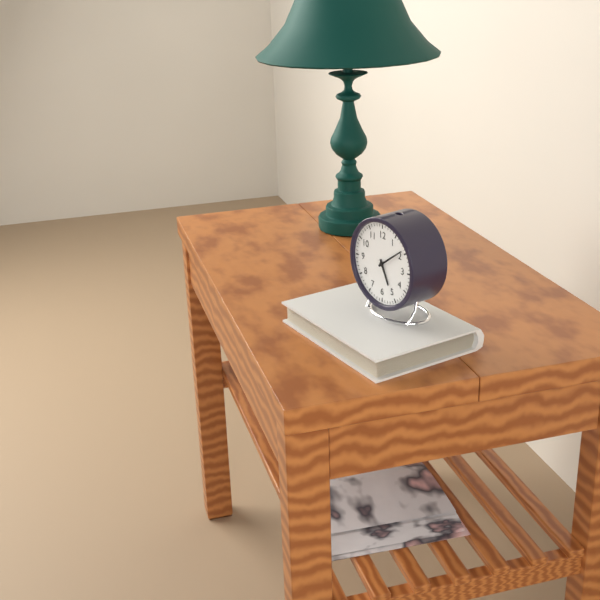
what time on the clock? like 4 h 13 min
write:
5 h 09 min
